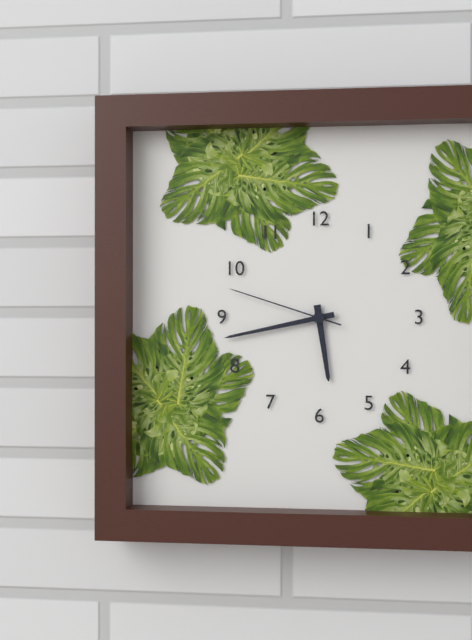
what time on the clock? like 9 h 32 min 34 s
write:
5 h 43 min 48 s
